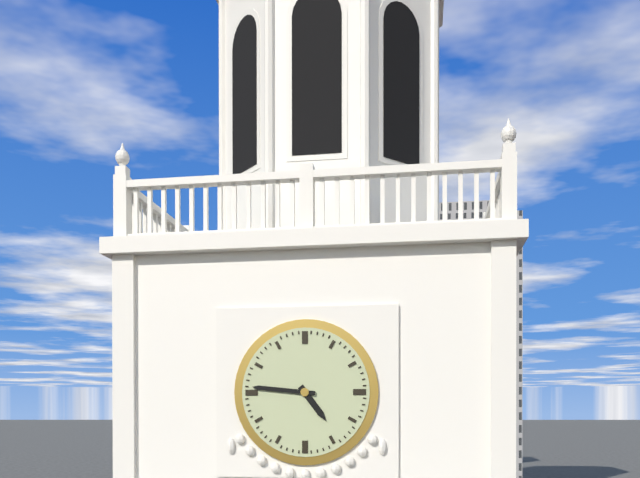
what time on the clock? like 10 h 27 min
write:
4 h 46 min
